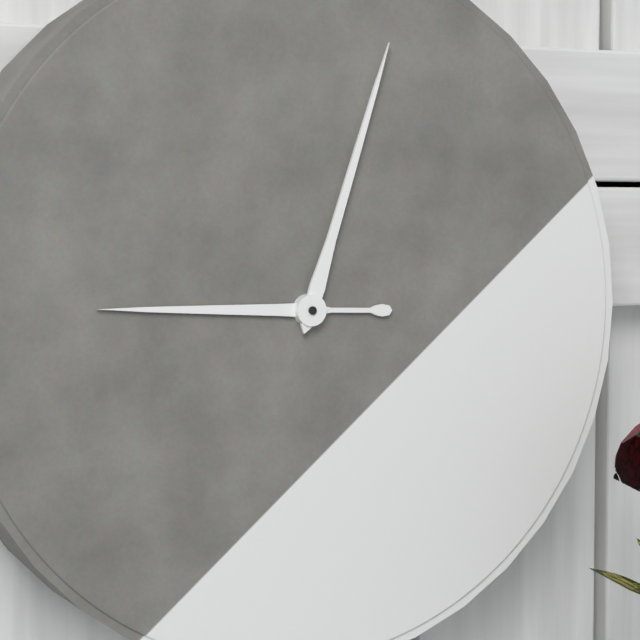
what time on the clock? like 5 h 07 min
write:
9 h 03 min
